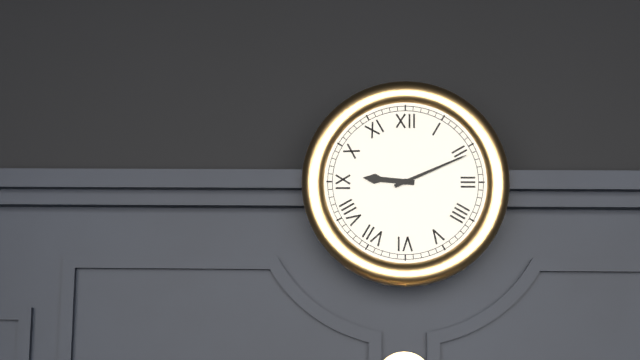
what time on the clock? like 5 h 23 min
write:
9 h 11 min
